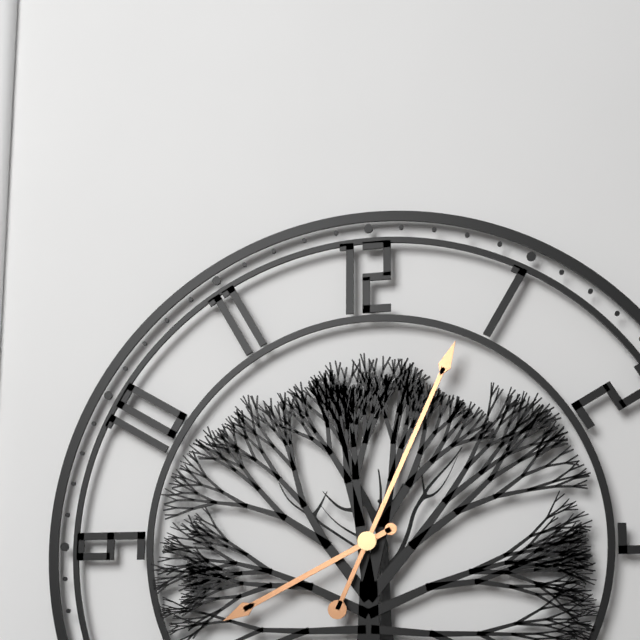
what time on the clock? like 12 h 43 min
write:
8 h 04 min
